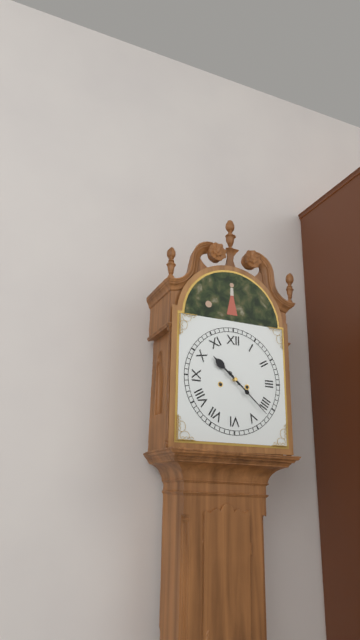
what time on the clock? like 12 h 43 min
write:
10 h 22 min
